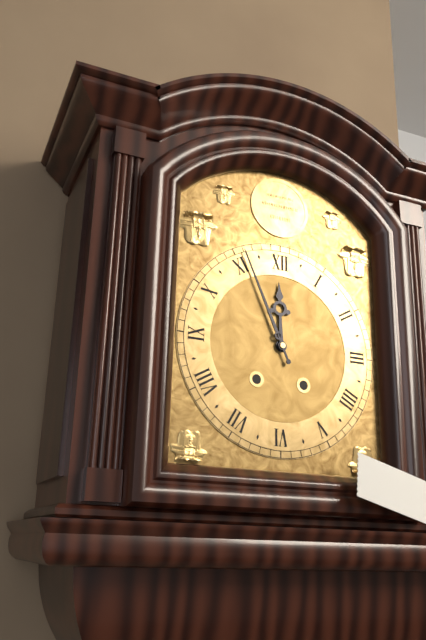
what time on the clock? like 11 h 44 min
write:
11 h 56 min
